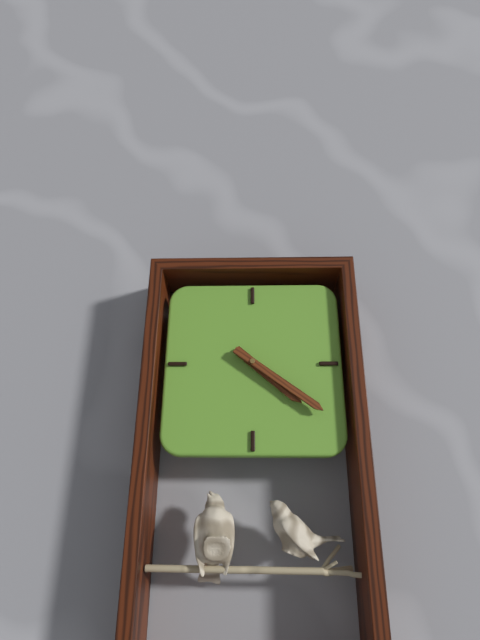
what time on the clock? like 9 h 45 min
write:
4 h 21 min
